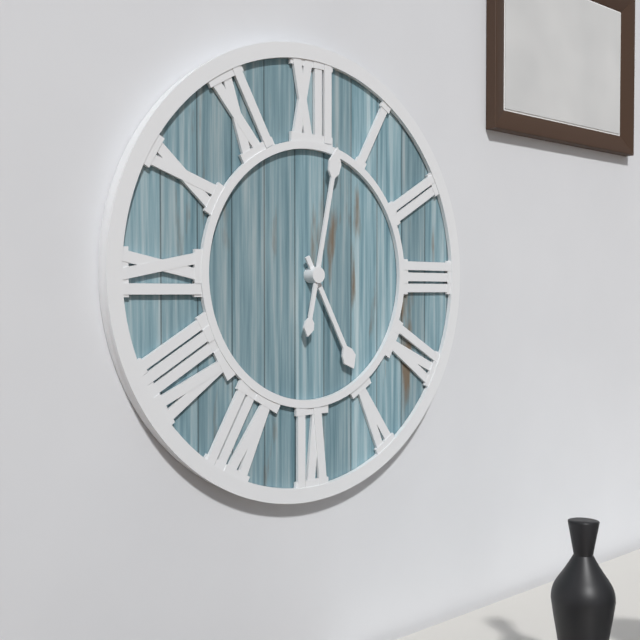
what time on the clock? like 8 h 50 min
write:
5 h 02 min
